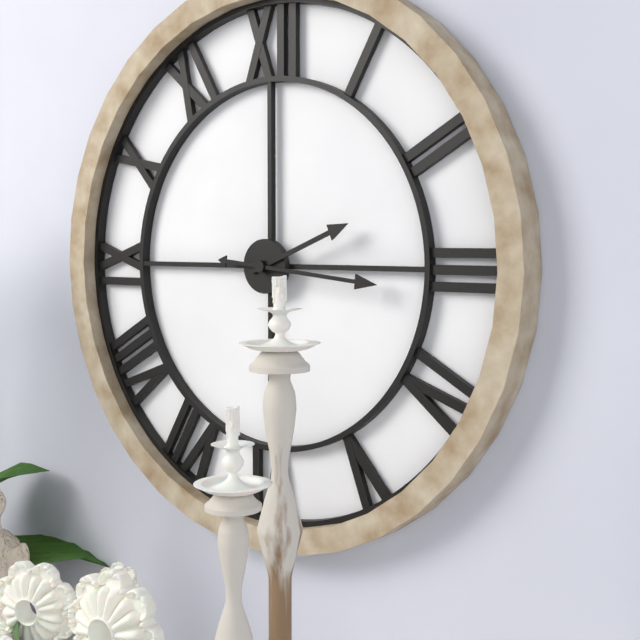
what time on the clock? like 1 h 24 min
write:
2 h 16 min
